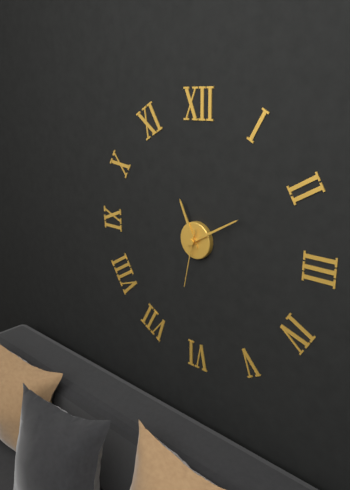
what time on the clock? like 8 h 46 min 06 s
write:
11 h 10 min 32 s
